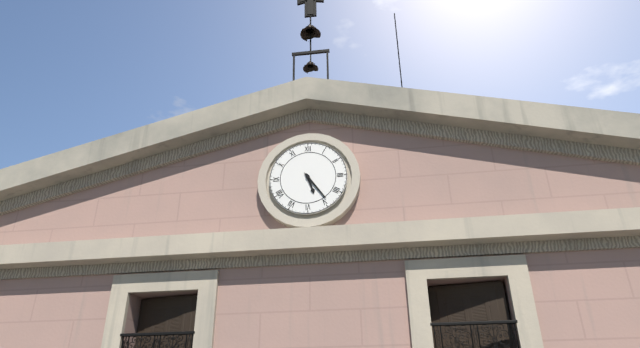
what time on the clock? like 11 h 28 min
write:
5 h 24 min
